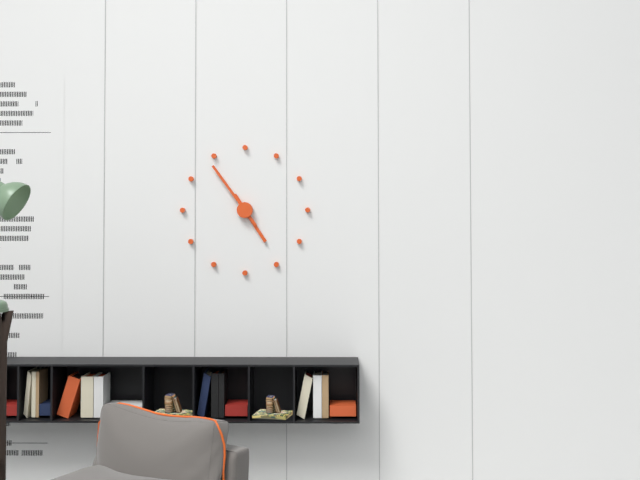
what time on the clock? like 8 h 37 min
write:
4 h 54 min
